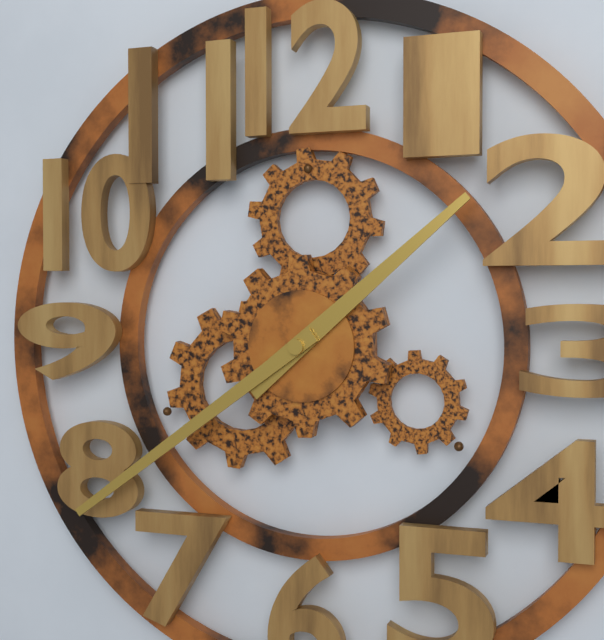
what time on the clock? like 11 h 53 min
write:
1 h 39 min
